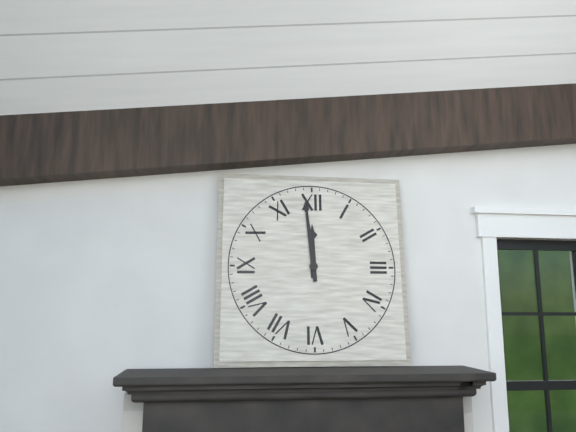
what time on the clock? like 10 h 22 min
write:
11 h 59 min
